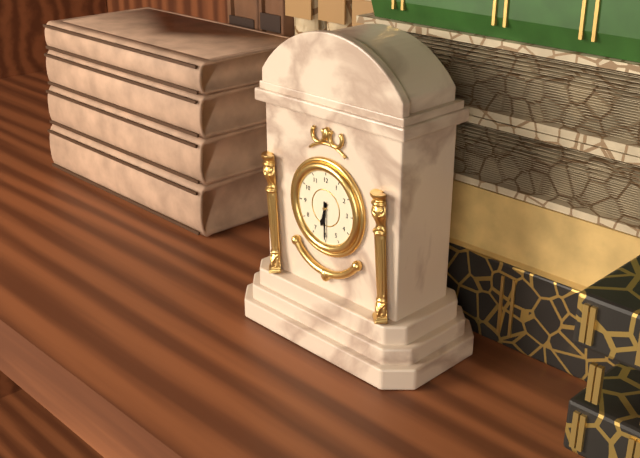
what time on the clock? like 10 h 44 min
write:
6 h 30 min
